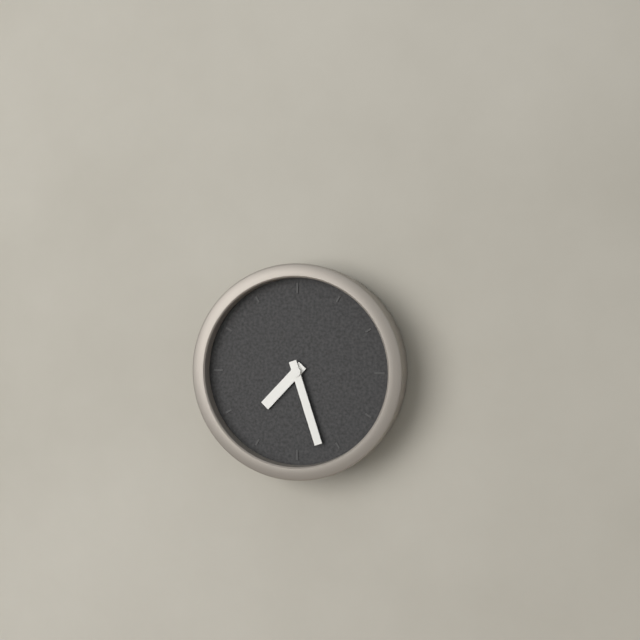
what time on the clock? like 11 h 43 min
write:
7 h 27 min
